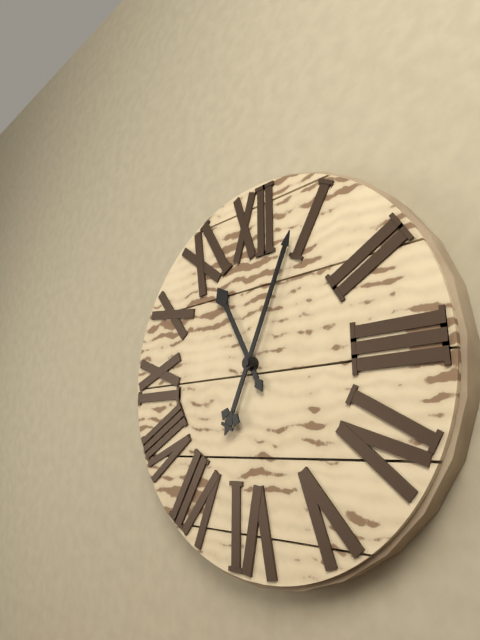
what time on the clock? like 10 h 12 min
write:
11 h 04 min
